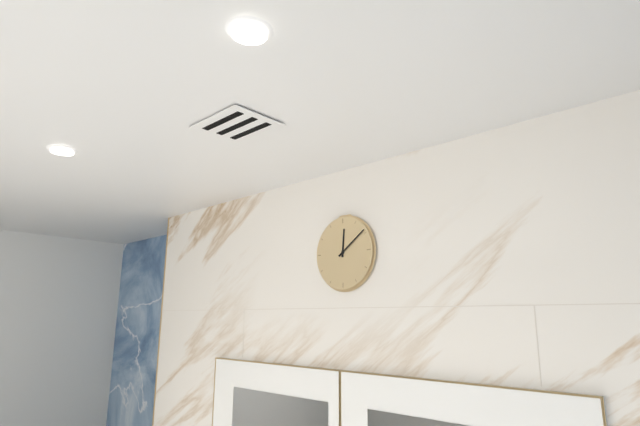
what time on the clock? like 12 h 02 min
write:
12 h 09 min
